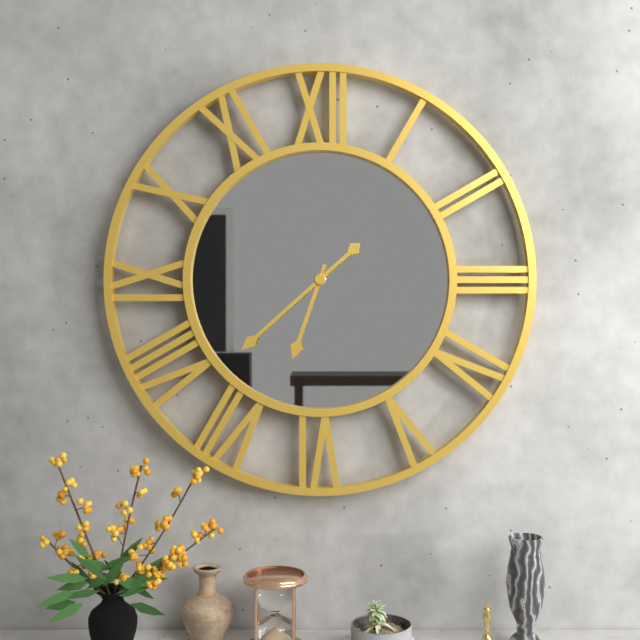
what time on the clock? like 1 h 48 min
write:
6 h 38 min
